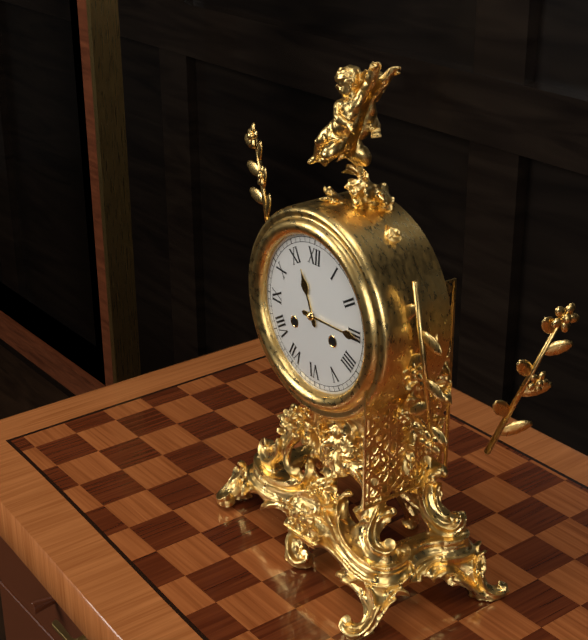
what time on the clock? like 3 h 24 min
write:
11 h 15 min
